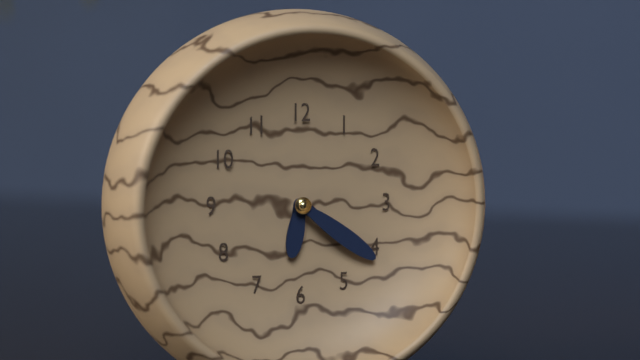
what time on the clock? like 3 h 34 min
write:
6 h 21 min
